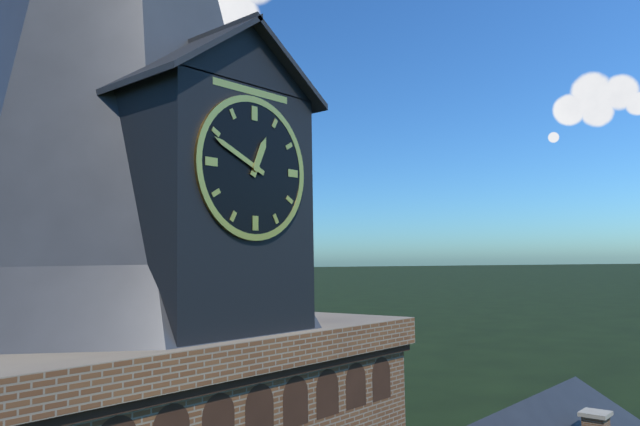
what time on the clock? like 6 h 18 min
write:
12 h 49 min
